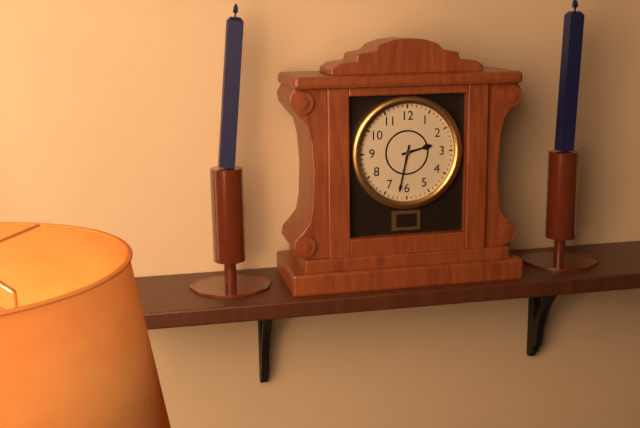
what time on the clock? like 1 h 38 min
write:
2 h 32 min
